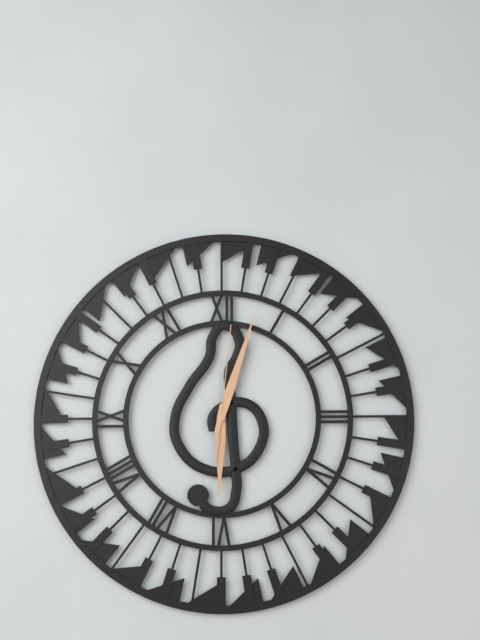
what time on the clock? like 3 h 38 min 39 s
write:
6 h 03 min 01 s
